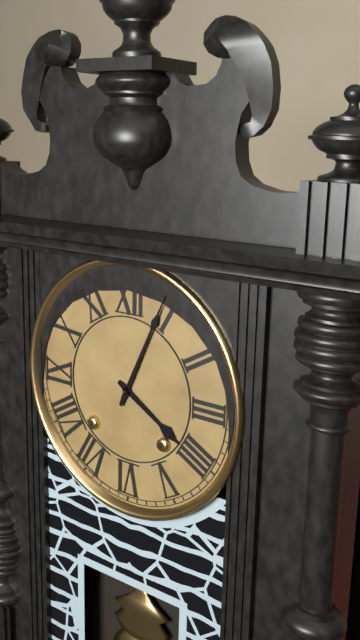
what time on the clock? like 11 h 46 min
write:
4 h 04 min
